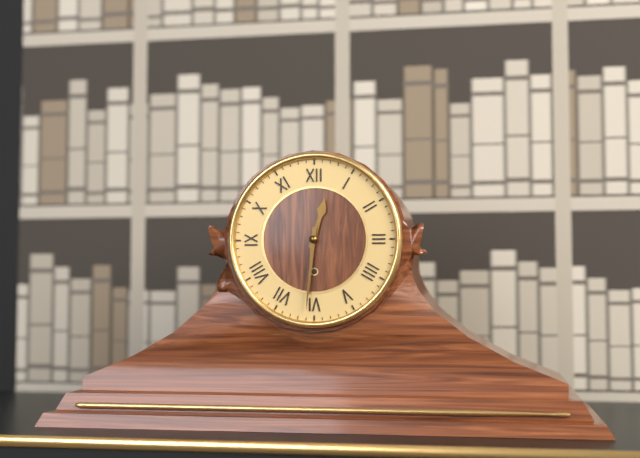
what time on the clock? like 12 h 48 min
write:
12 h 31 min
